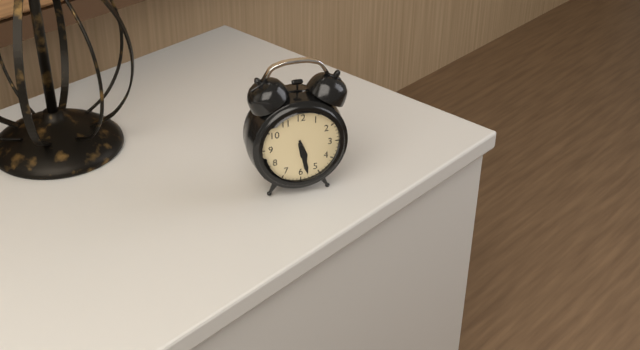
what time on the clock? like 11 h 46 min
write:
5 h 28 min
